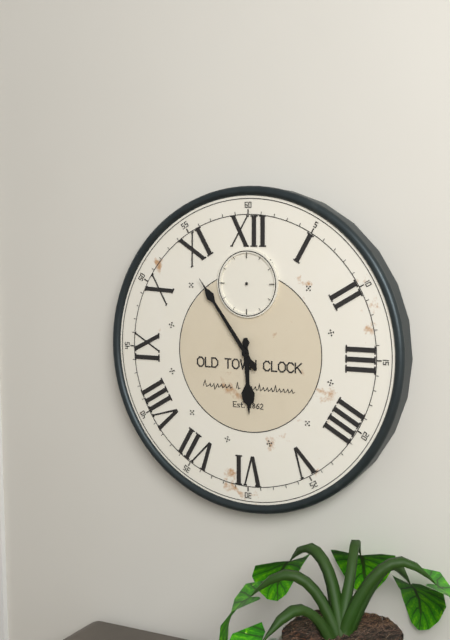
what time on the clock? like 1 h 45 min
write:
5 h 54 min
